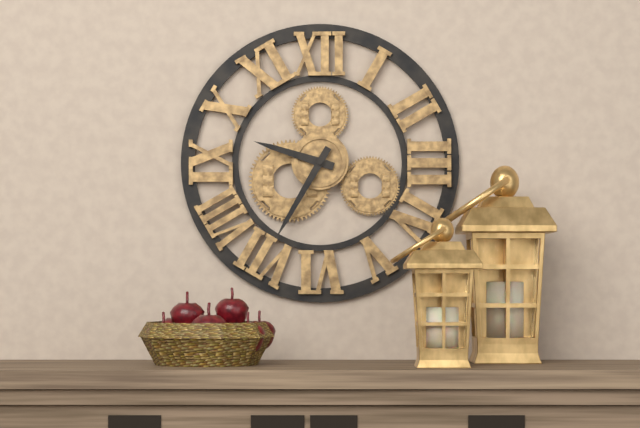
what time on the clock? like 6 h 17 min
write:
9 h 35 min
